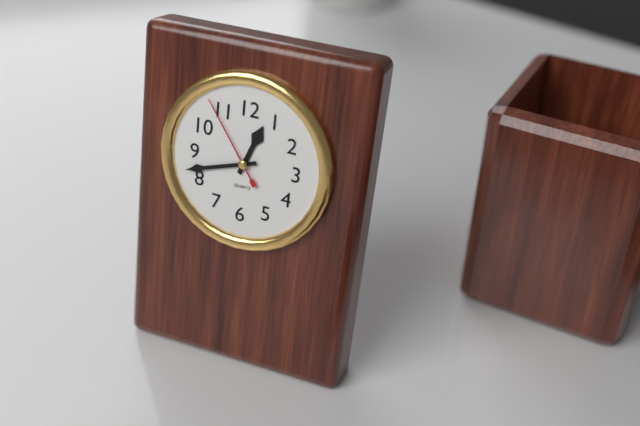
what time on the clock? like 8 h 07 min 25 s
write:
12 h 42 min 54 s
